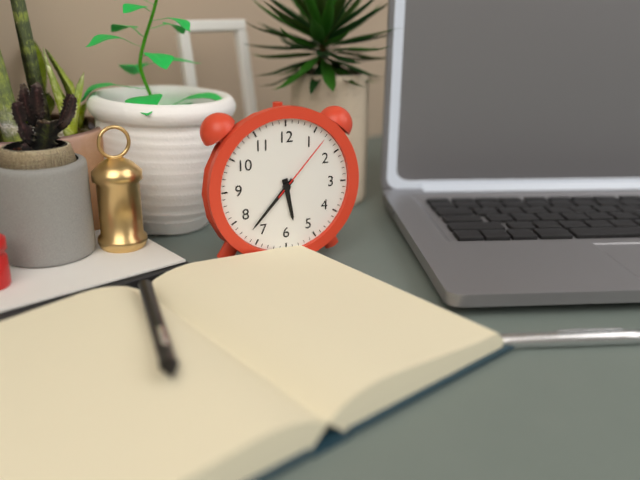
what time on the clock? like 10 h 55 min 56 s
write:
5 h 37 min 07 s
